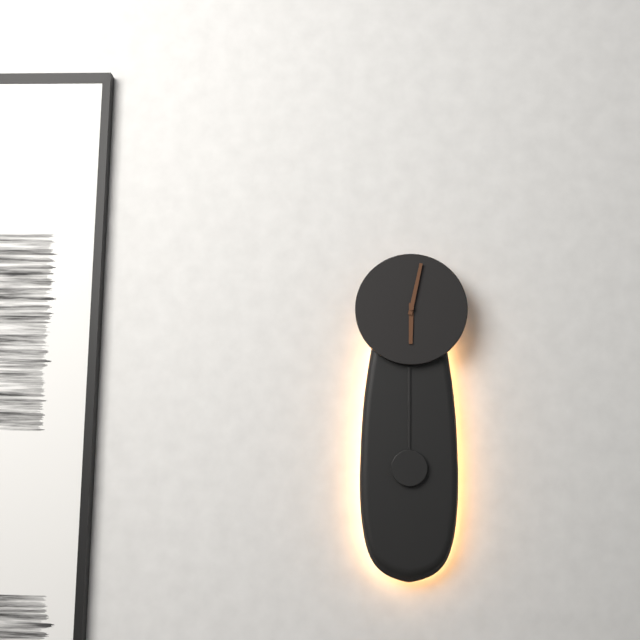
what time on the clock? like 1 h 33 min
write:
6 h 02 min
